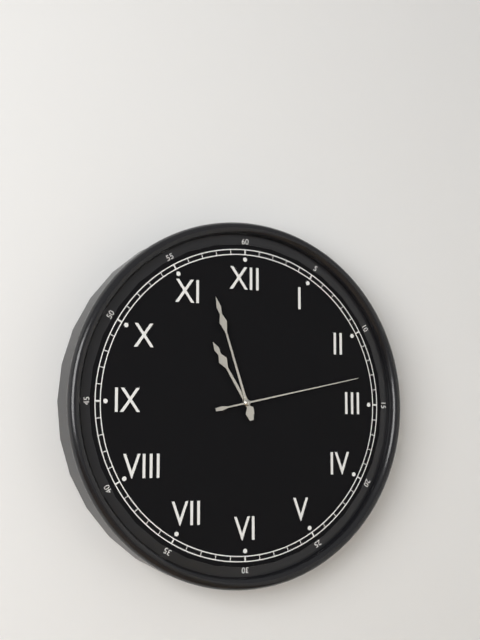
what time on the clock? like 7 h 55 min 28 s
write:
10 h 57 min 13 s
